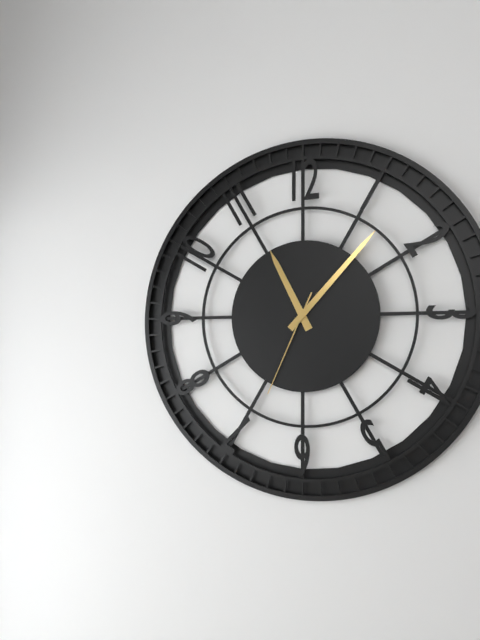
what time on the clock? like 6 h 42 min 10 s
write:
11 h 07 min 34 s
